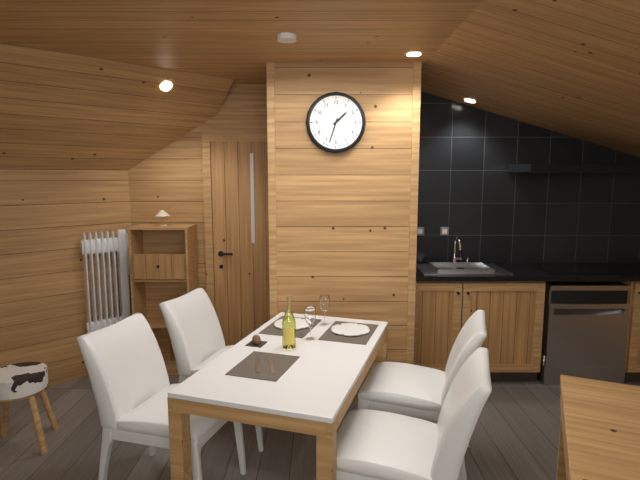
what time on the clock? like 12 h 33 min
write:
1 h 33 min
